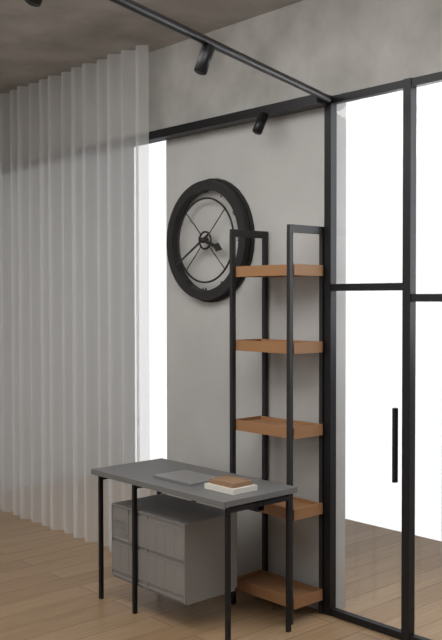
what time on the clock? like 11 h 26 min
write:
3 h 40 min
